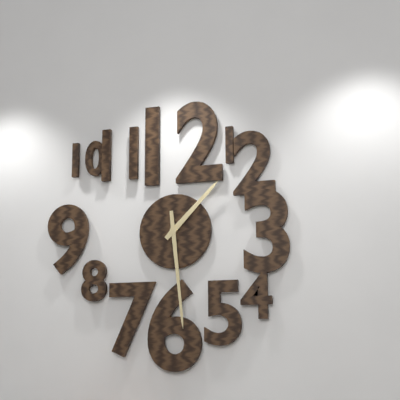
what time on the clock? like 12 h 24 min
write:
1 h 29 min
